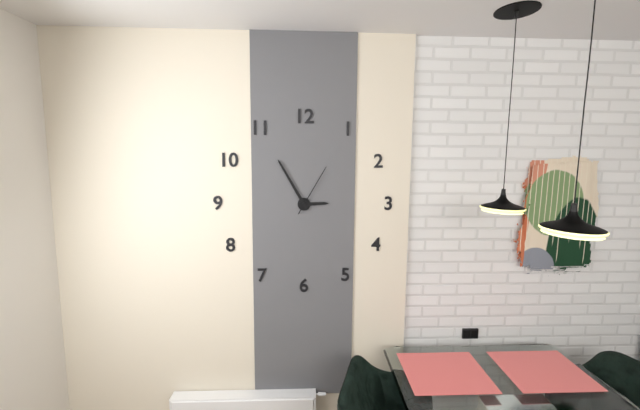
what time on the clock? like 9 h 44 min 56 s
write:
2 h 55 min 05 s
